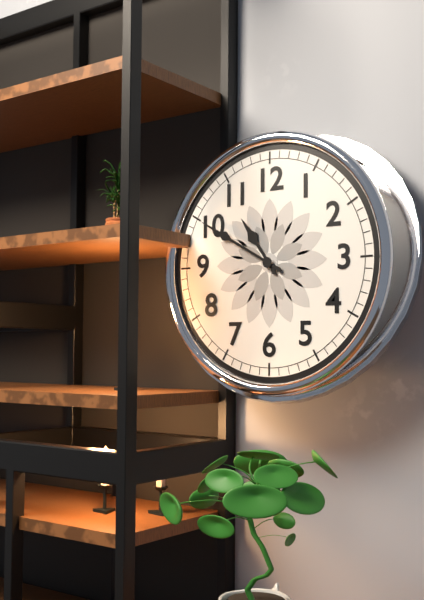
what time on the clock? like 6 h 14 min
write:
10 h 50 min
